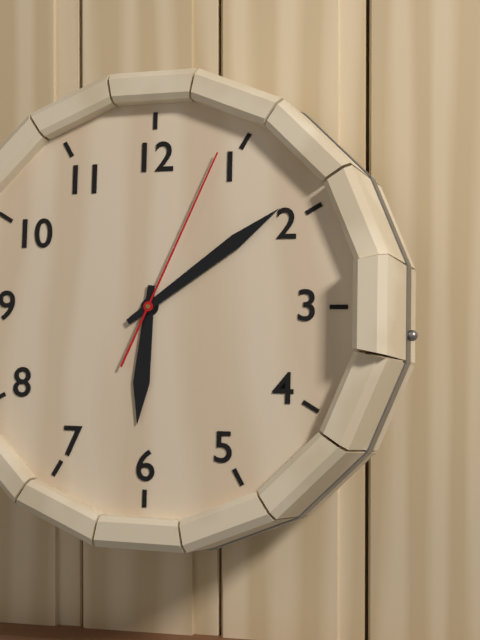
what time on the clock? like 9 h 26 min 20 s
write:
6 h 09 min 04 s
